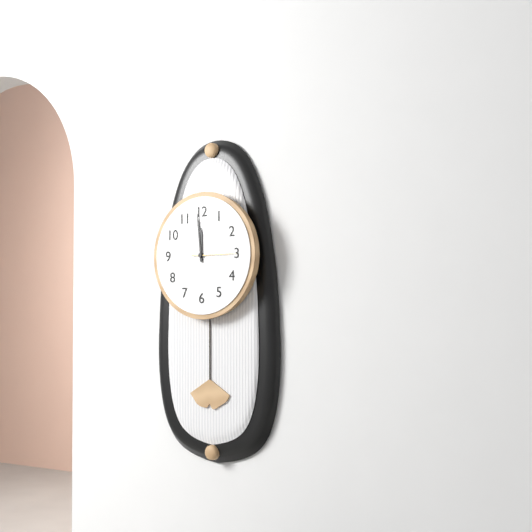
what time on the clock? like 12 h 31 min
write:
11 h 59 min
